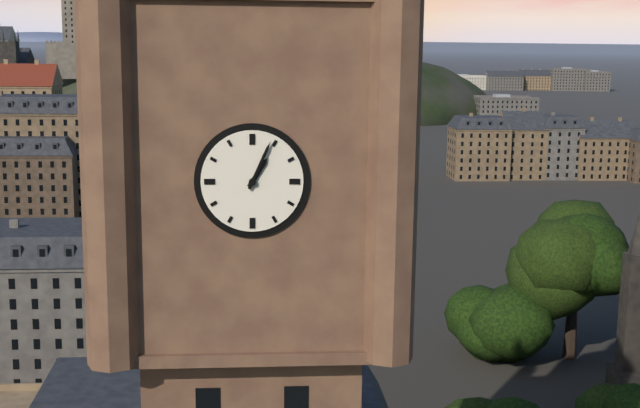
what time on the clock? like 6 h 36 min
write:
1 h 04 min
